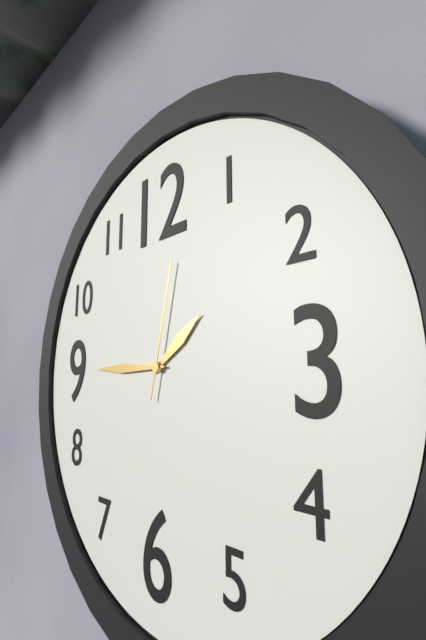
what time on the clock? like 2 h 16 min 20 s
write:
1 h 45 min 02 s
